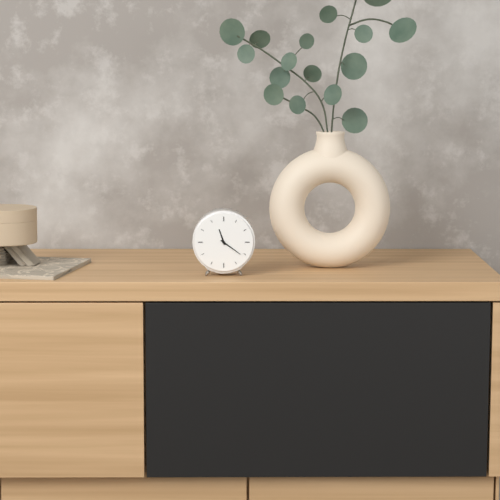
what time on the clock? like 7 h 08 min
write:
11 h 21 min
